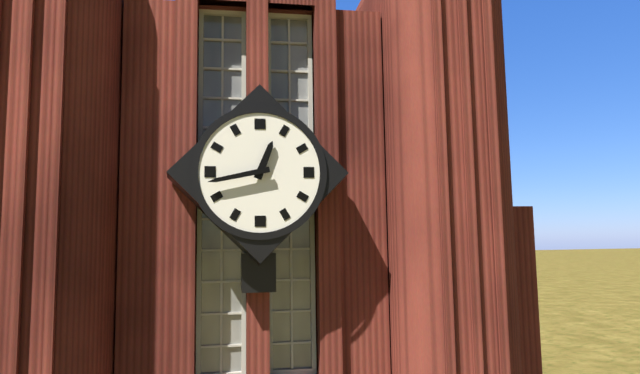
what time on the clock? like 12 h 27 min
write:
12 h 43 min
